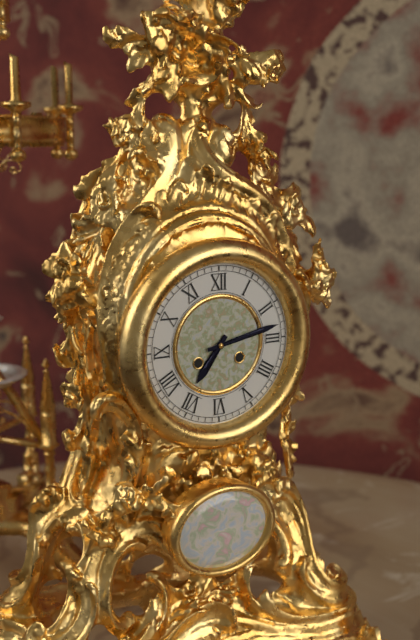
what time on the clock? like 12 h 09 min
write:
7 h 13 min
